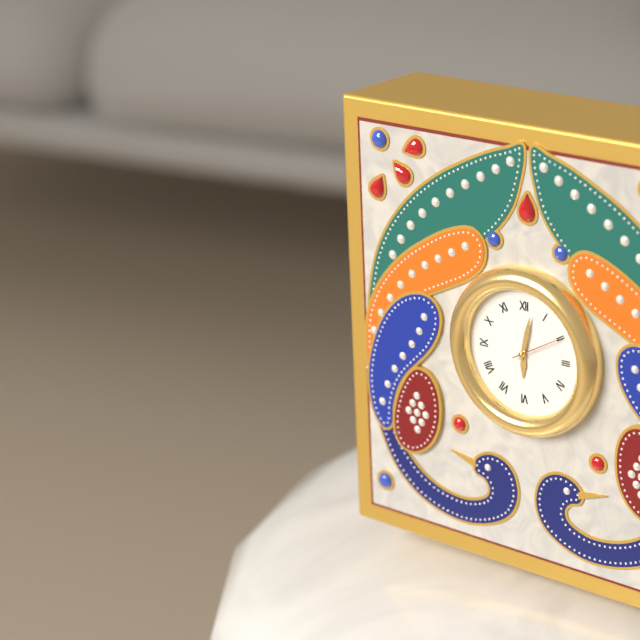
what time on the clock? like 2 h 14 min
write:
6 h 02 min
